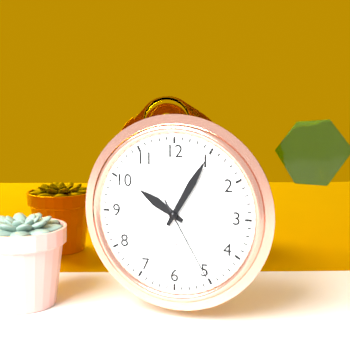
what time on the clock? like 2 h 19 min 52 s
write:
10 h 05 min 25 s
